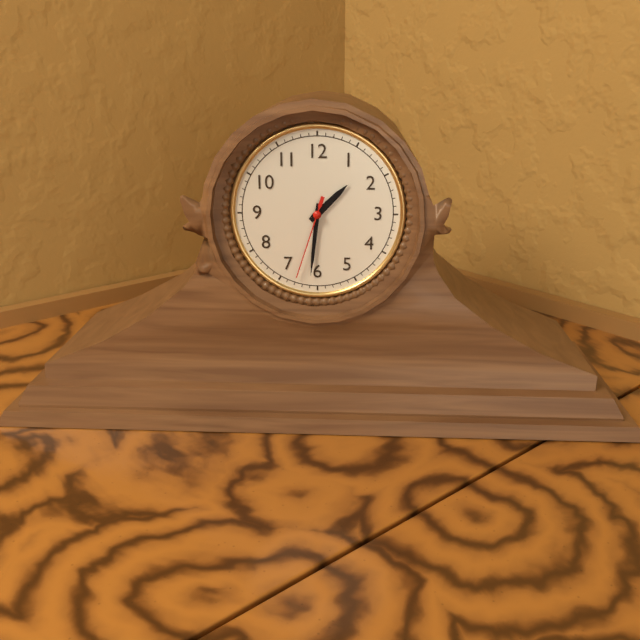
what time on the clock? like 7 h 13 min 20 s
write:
1 h 31 min 33 s
